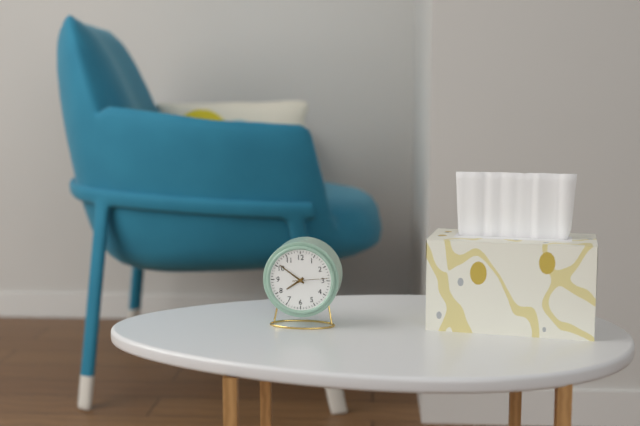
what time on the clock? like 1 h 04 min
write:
7 h 51 min
